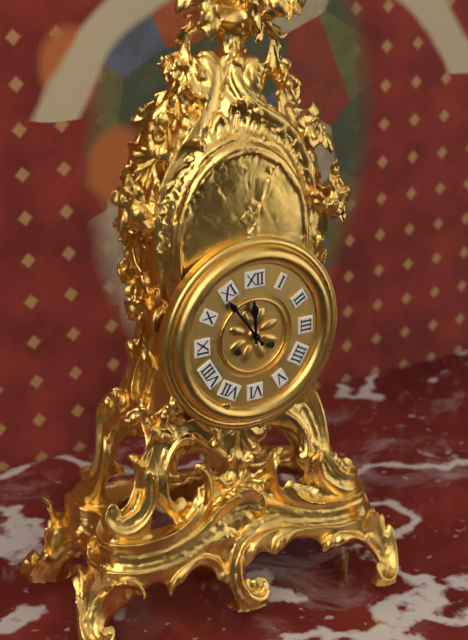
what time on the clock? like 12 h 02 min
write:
11 h 54 min
